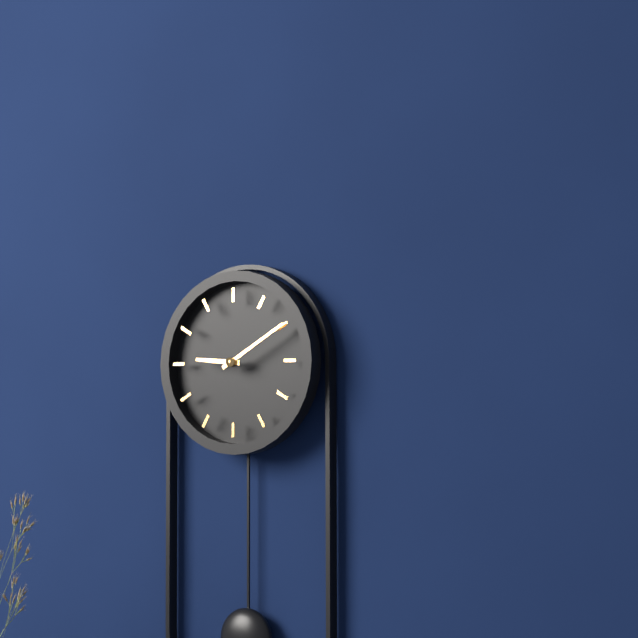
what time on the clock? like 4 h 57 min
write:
9 h 10 min
